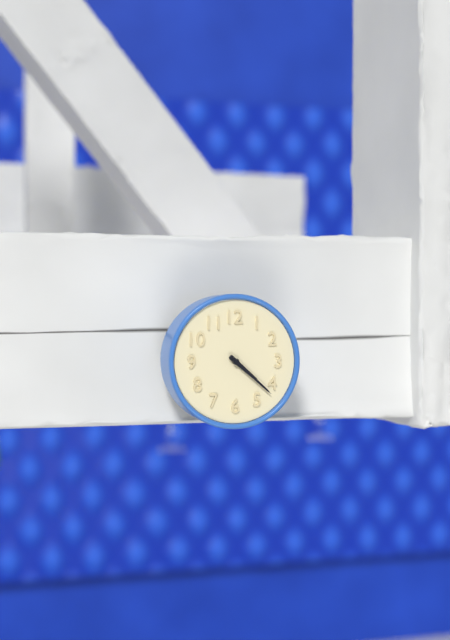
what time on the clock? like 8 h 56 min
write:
4 h 22 min
